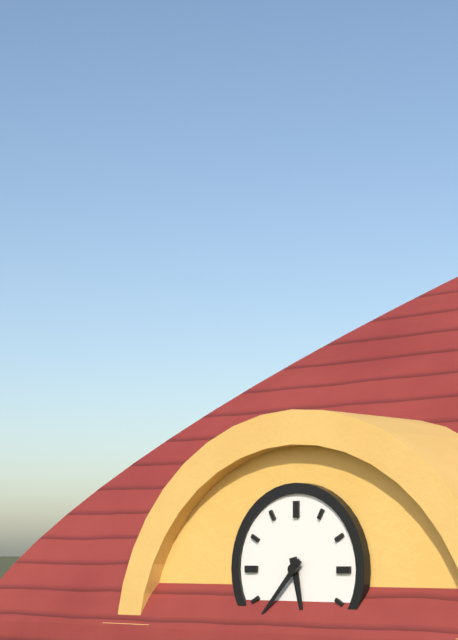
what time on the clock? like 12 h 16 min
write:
5 h 37 min
